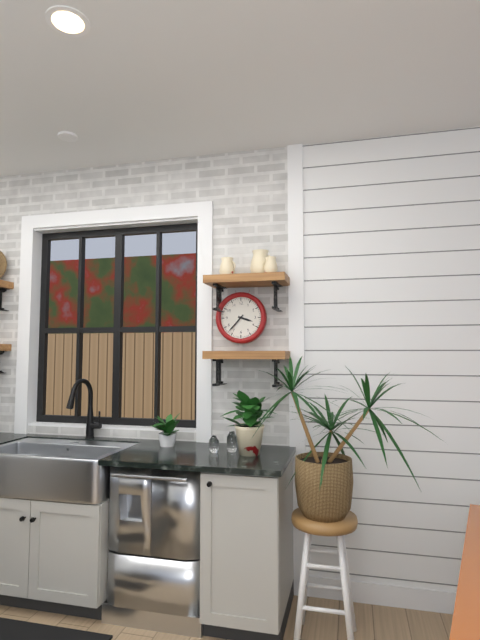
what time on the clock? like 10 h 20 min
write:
3 h 37 min
